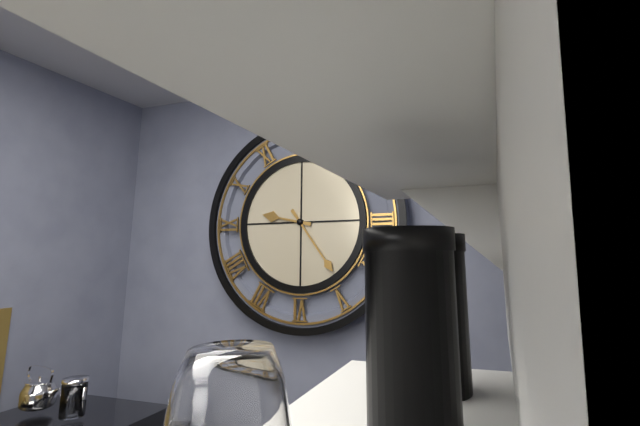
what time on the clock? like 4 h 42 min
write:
9 h 24 min
